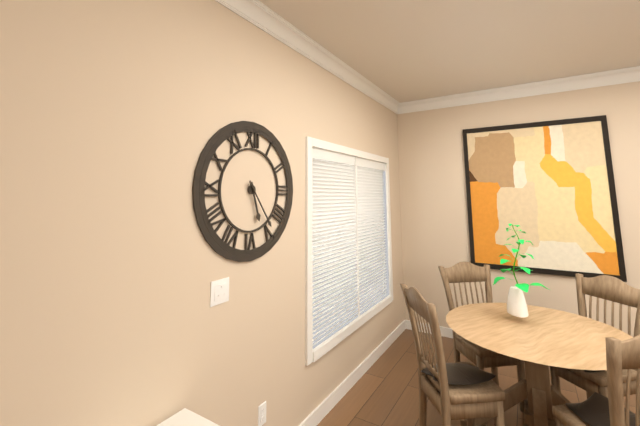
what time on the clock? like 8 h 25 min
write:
5 h 24 min
